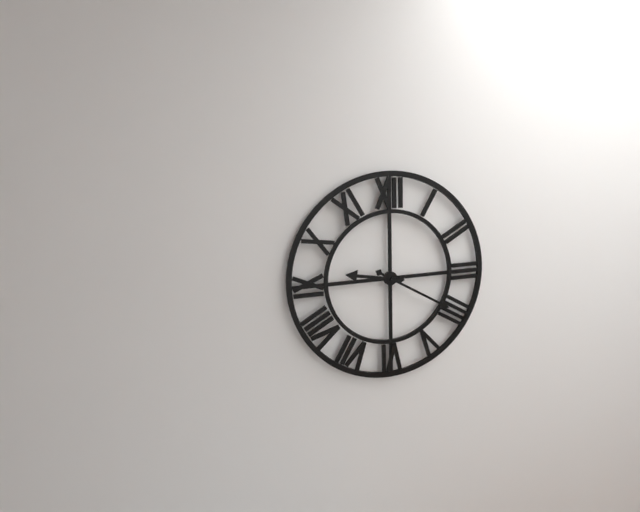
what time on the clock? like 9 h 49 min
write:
9 h 20 min
